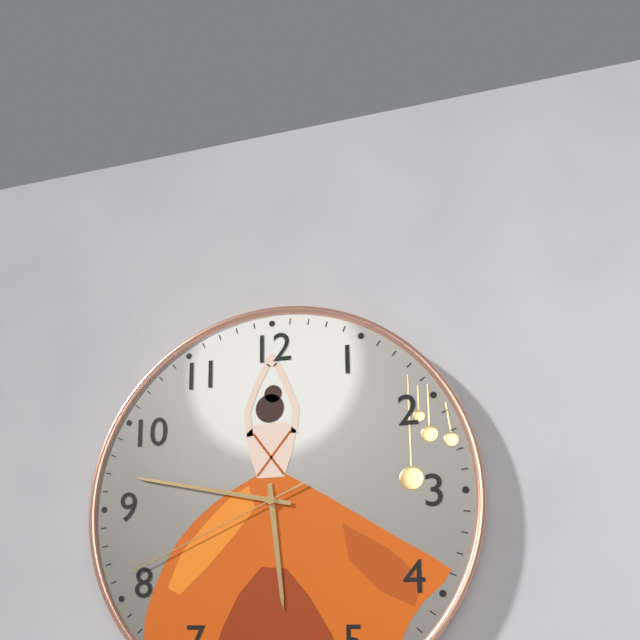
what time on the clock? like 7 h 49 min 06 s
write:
5 h 47 min 41 s
